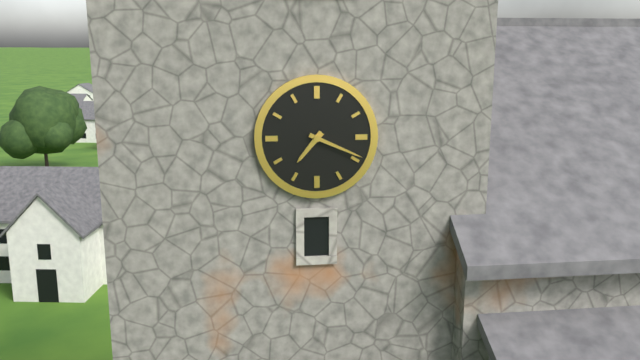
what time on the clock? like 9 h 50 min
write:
7 h 19 min
